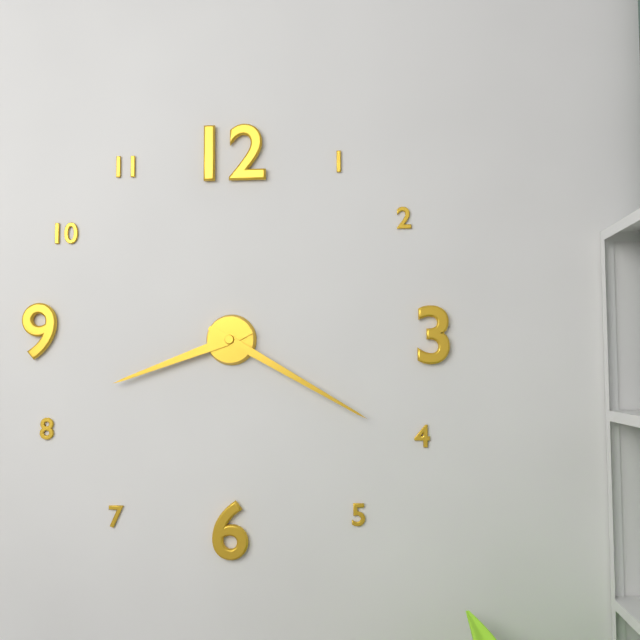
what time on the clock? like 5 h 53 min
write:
8 h 20 min
